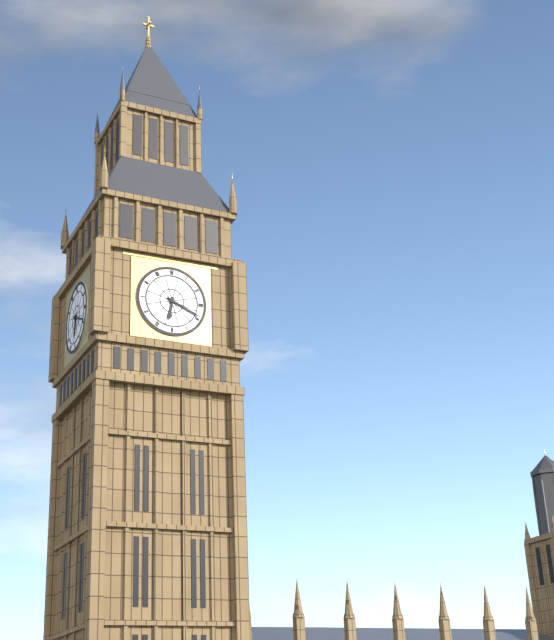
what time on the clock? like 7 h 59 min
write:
6 h 19 min
